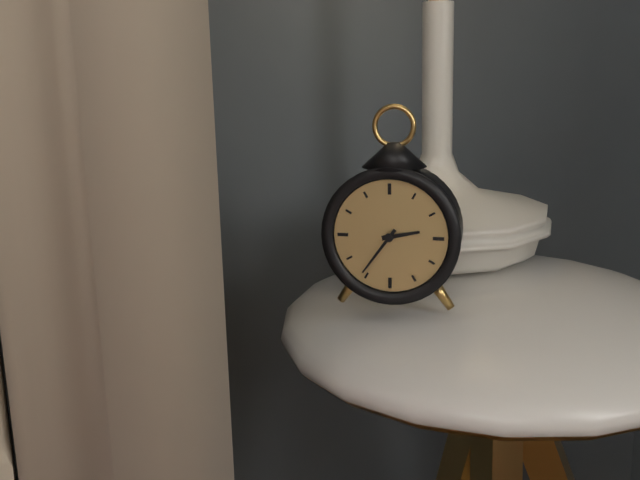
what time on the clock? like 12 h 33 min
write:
2 h 36 min
